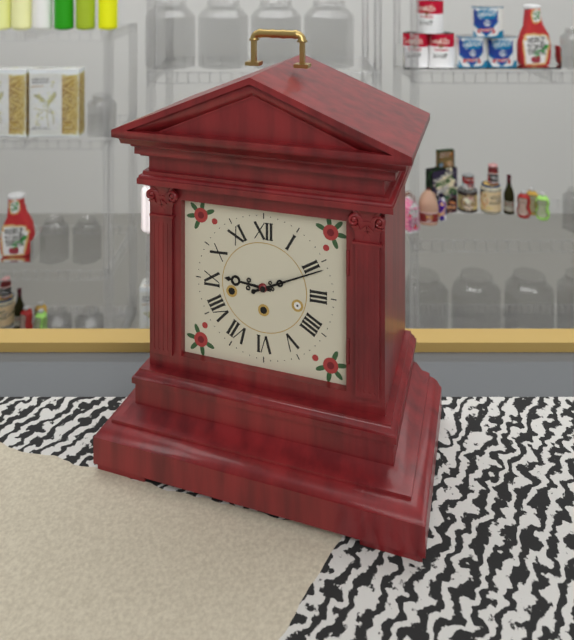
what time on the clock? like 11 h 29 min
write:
9 h 11 min
